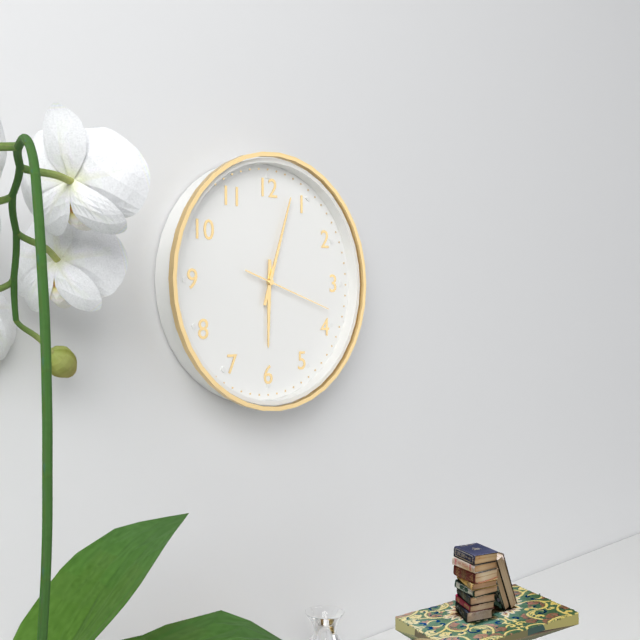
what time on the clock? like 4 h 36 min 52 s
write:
6 h 03 min 18 s
